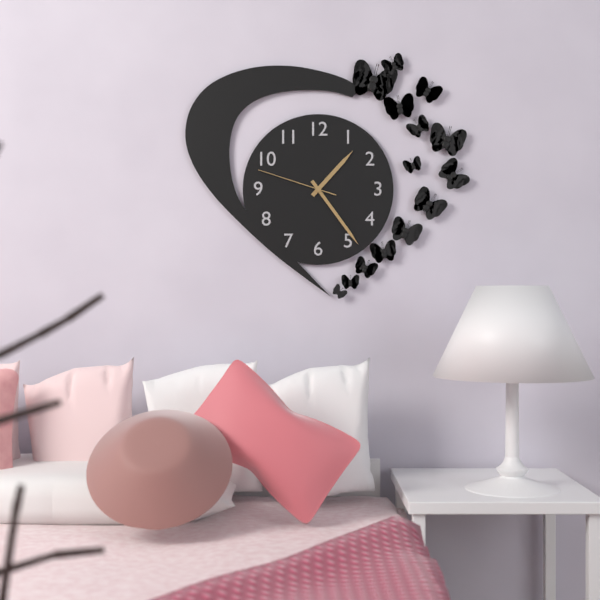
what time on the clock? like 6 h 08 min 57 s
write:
1 h 24 min 48 s
